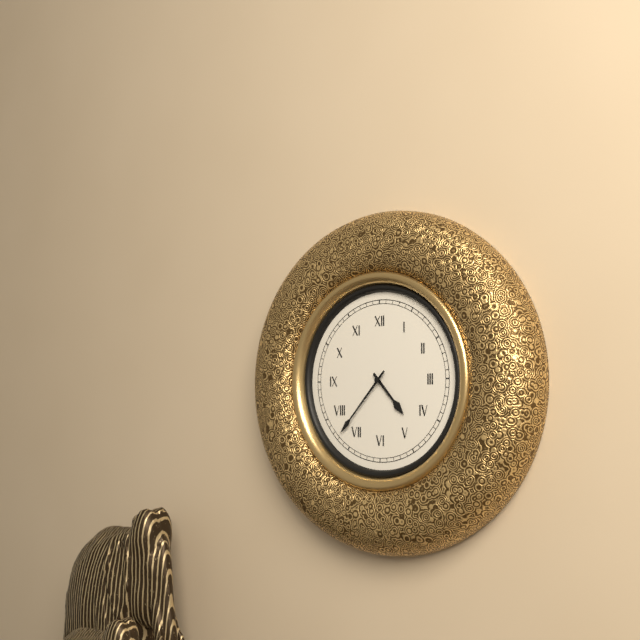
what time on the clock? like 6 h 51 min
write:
4 h 37 min
